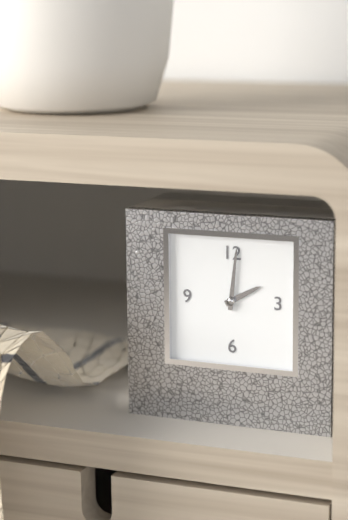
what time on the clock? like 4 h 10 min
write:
2 h 01 min
